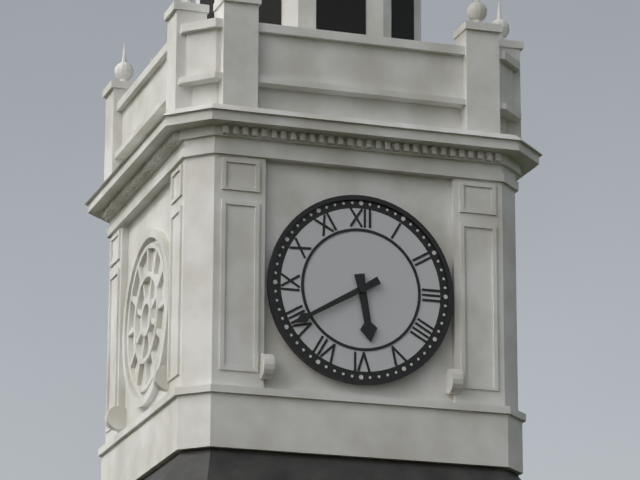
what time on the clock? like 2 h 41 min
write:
5 h 40 min
